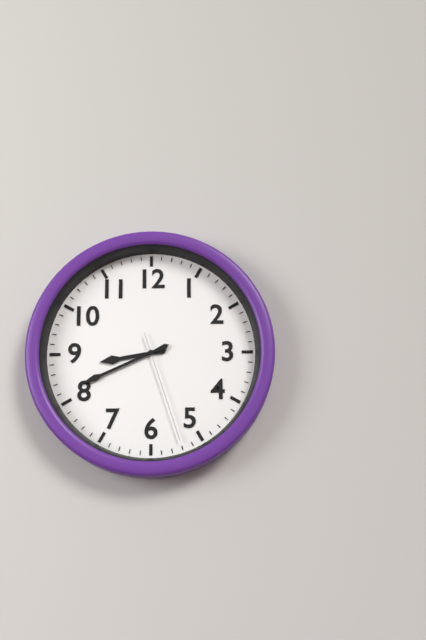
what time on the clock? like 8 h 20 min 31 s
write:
8 h 41 min 27 s
